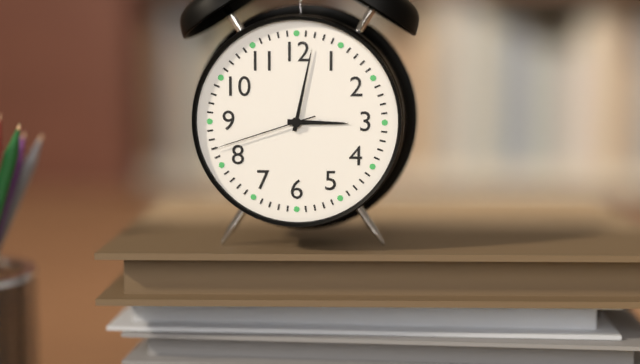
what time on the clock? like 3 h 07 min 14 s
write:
3 h 02 min 42 s
